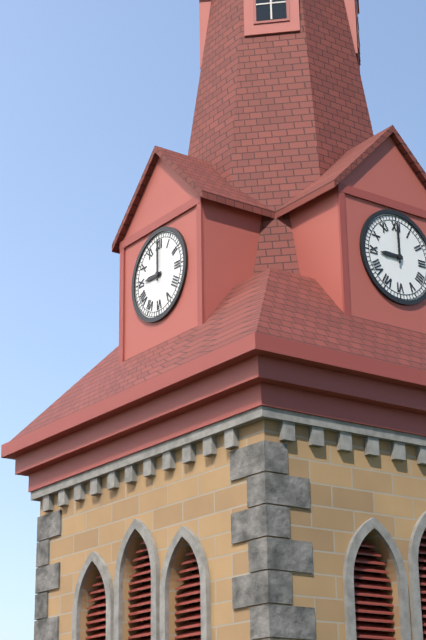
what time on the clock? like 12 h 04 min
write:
9 h 00 min
